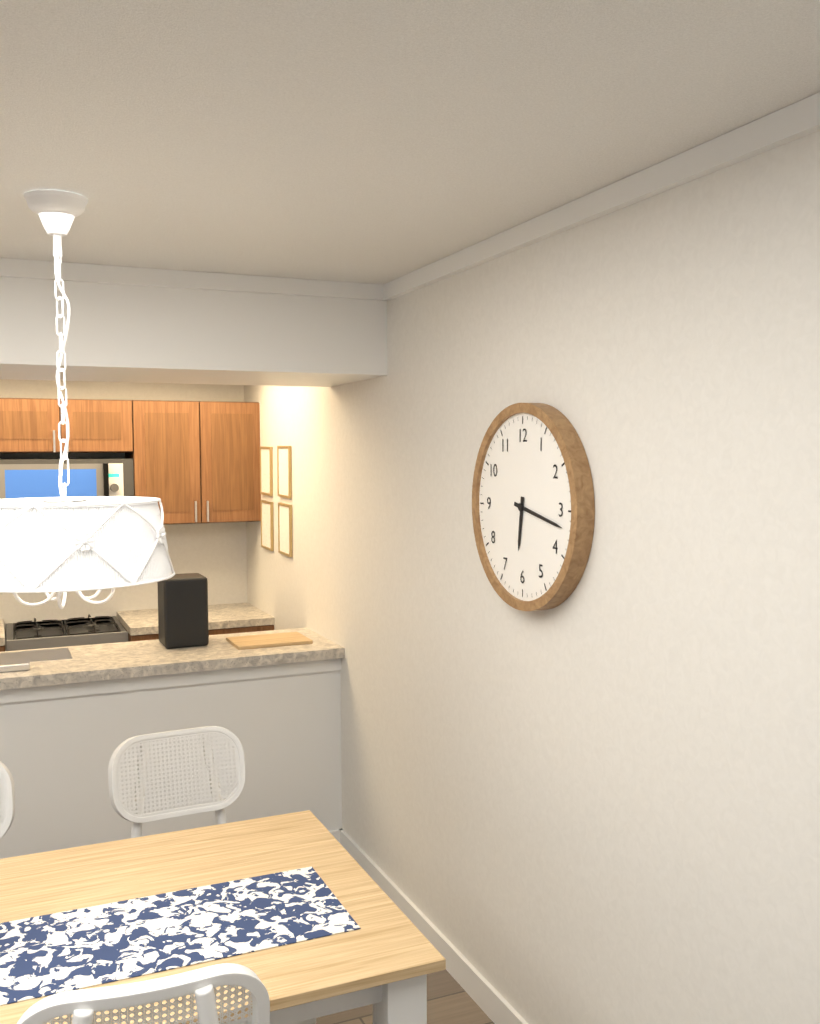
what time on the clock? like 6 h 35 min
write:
6 h 17 min
